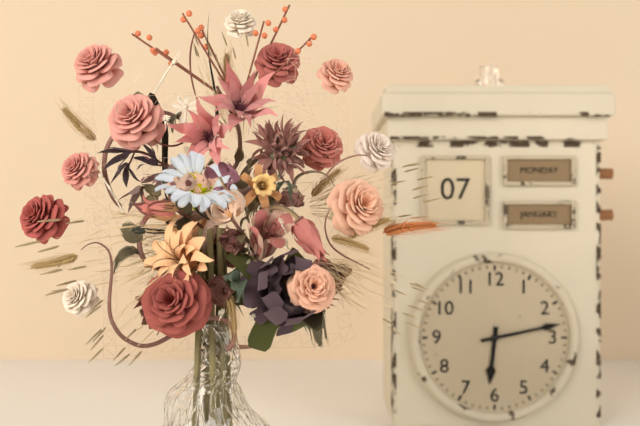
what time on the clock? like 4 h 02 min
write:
6 h 13 min
